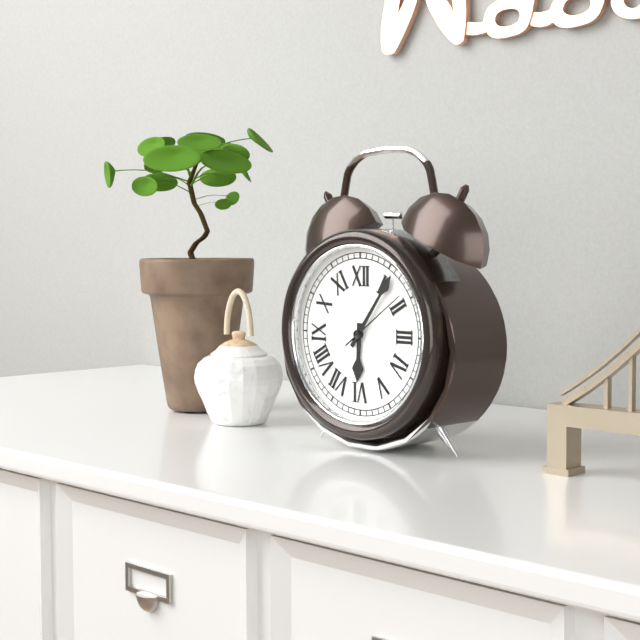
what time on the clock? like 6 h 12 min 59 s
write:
6 h 06 min 09 s
